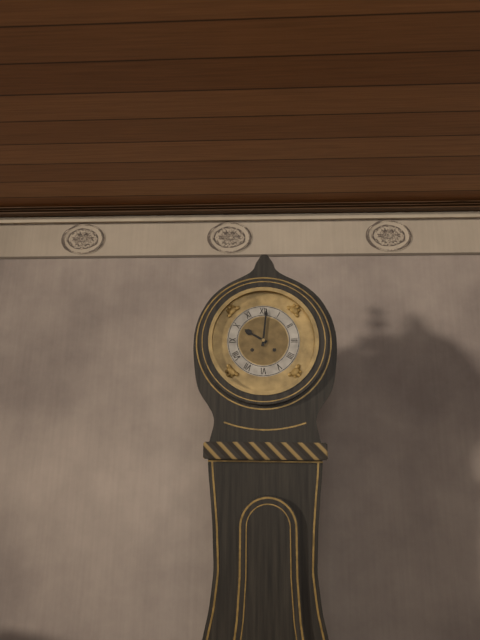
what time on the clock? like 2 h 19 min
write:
10 h 01 min
